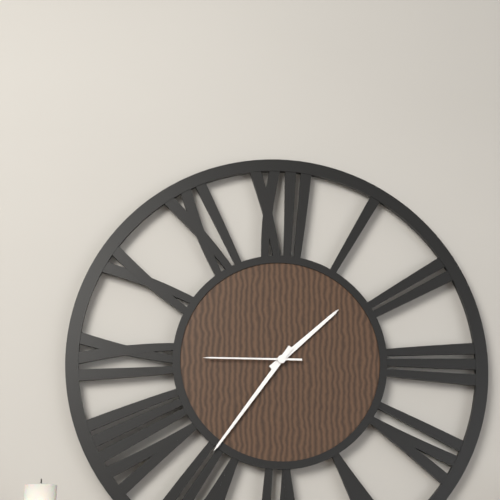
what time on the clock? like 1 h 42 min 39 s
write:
1 h 36 min 45 s
